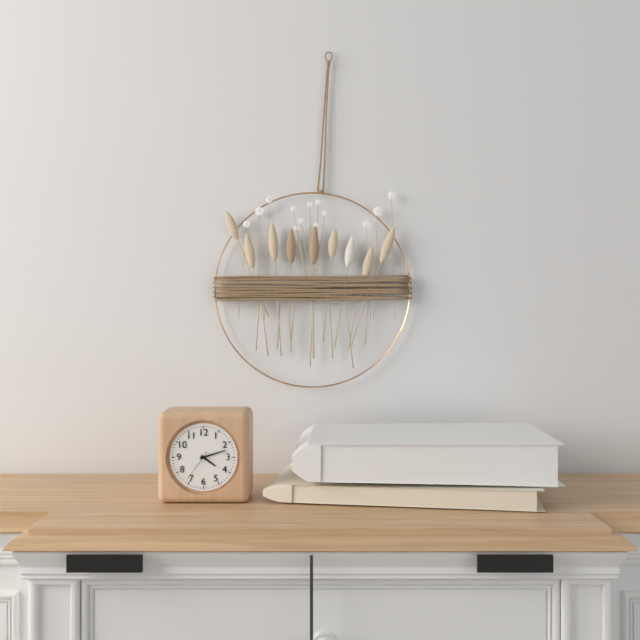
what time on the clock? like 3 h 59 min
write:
4 h 12 min
